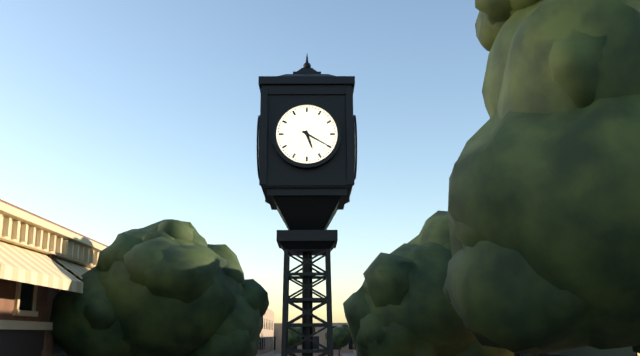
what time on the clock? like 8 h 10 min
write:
5 h 20 min
